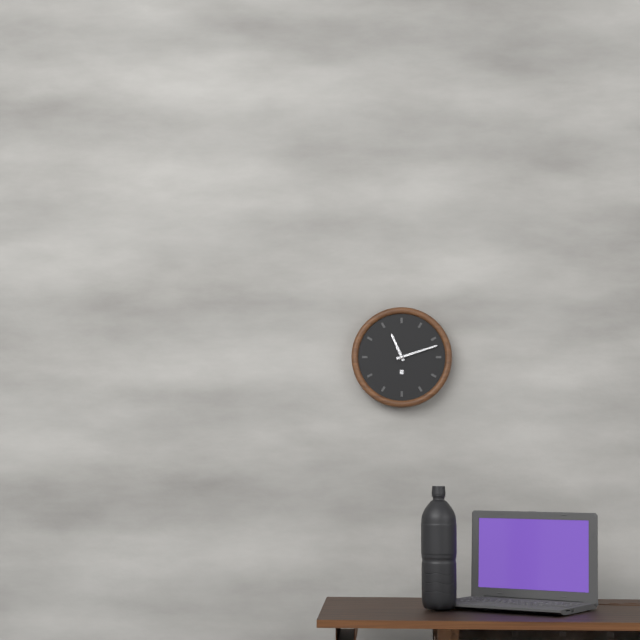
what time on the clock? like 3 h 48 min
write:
11 h 12 min
